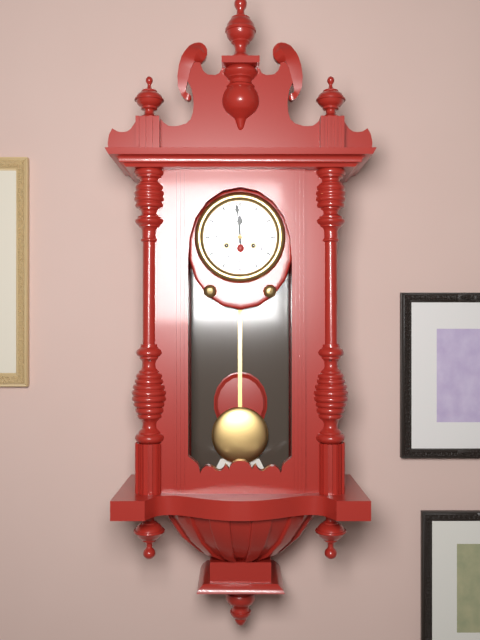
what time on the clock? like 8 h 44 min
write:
11 h 59 min
